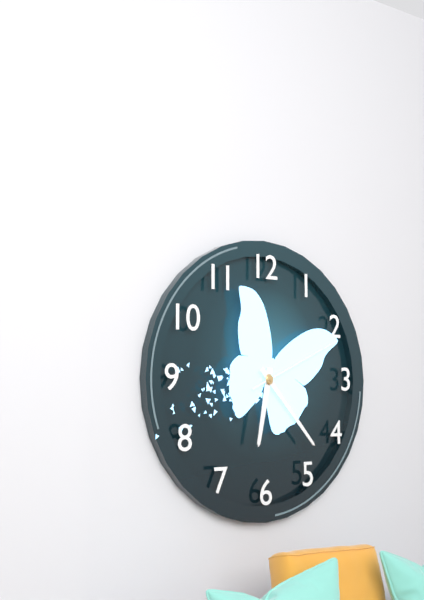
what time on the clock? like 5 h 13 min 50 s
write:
6 h 23 min 11 s
